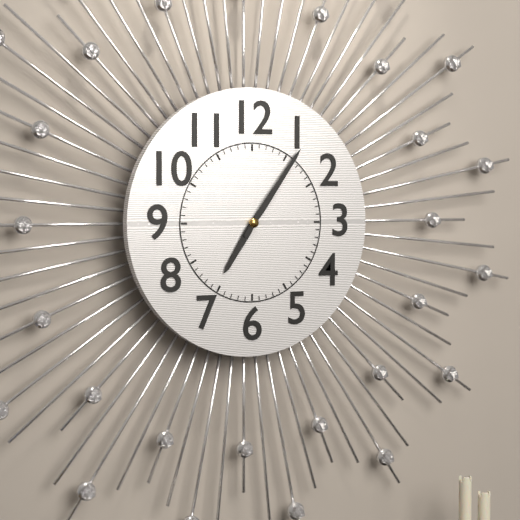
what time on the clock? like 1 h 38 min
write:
7 h 06 min
